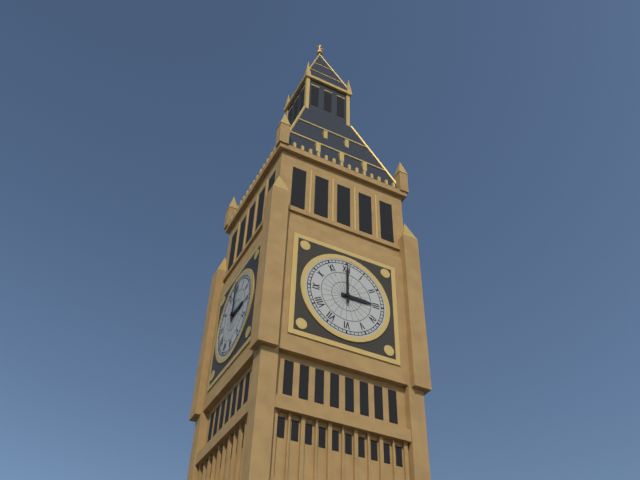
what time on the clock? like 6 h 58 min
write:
3 h 00 min
